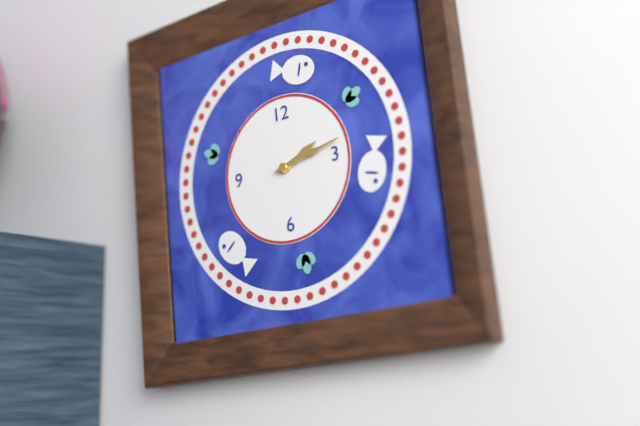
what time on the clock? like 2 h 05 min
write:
2 h 13 min
